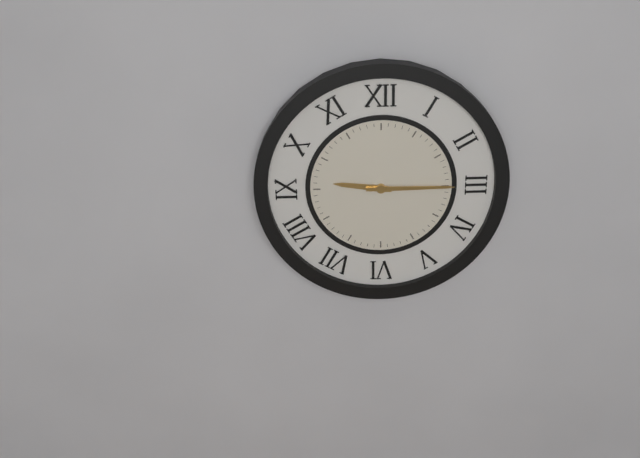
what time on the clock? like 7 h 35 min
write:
9 h 15 min
